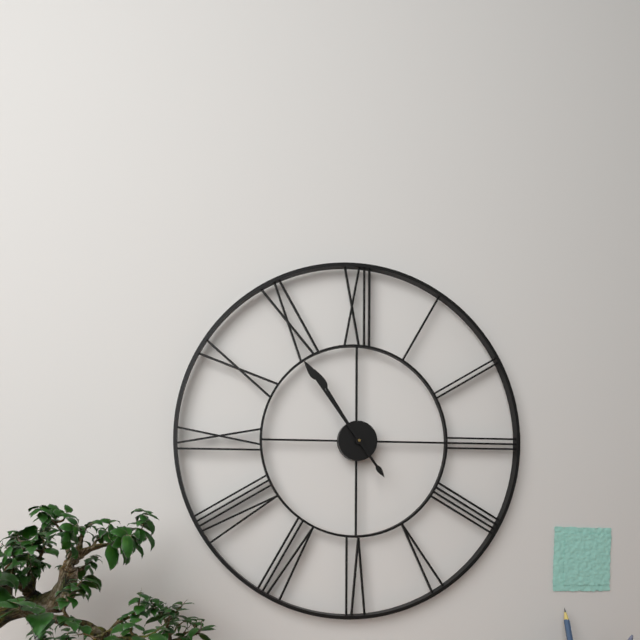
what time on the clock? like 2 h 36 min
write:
10 h 54 min
